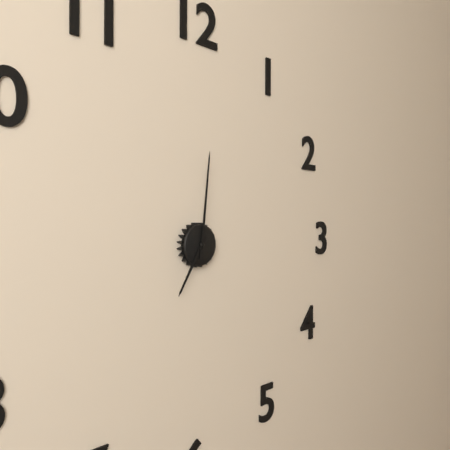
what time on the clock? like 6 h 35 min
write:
7 h 01 min
